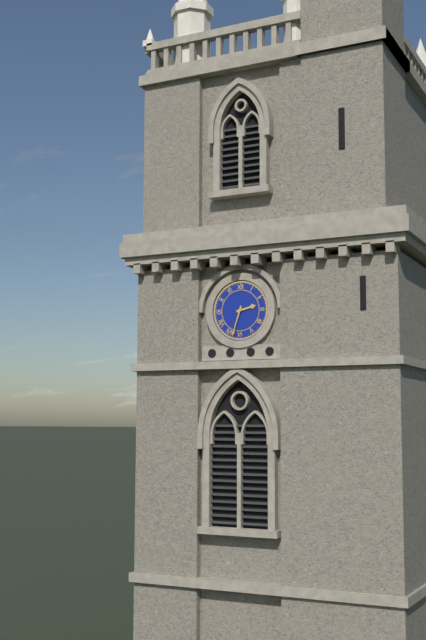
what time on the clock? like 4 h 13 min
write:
2 h 33 min
